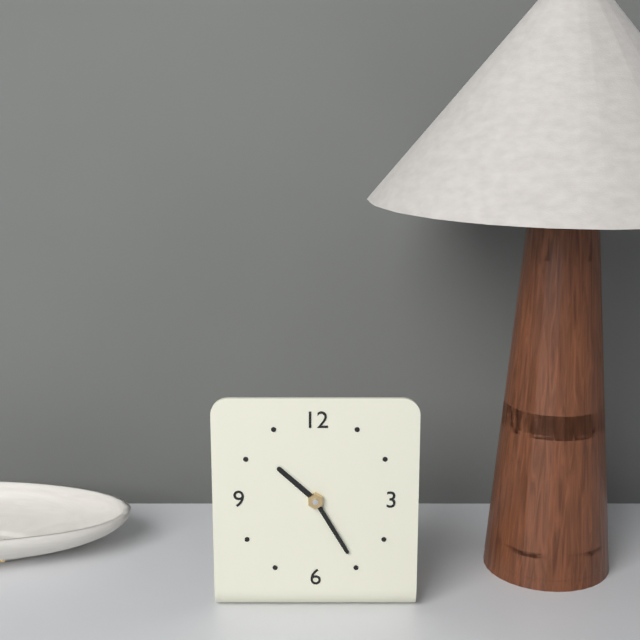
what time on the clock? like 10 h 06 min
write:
10 h 25 min
